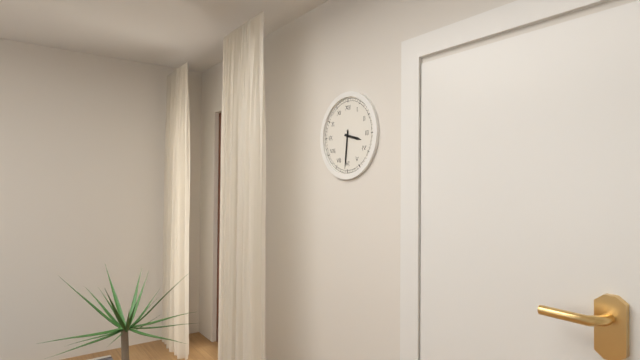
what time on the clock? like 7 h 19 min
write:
3 h 31 min
